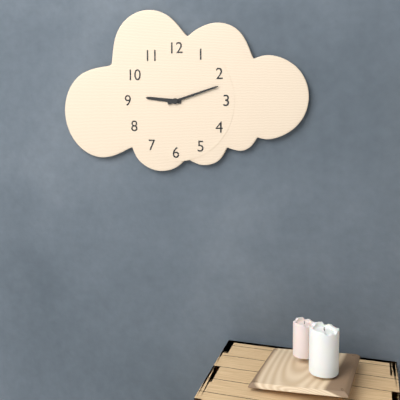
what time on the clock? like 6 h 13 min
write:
9 h 12 min
